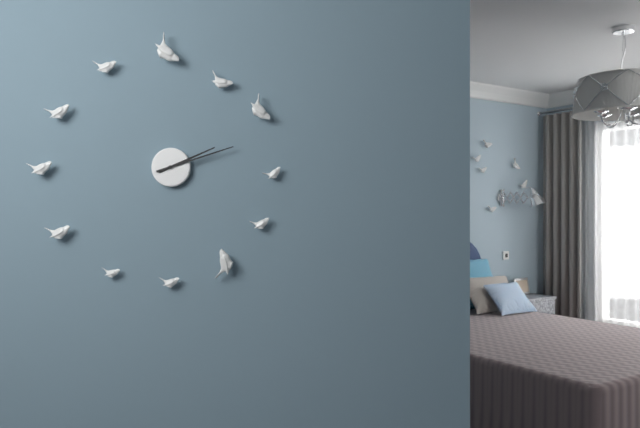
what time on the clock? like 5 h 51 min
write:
2 h 12 min
